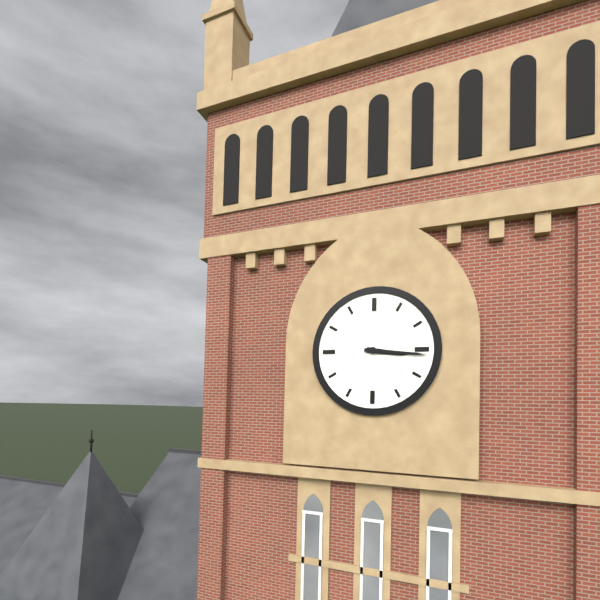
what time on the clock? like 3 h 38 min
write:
3 h 16 min
